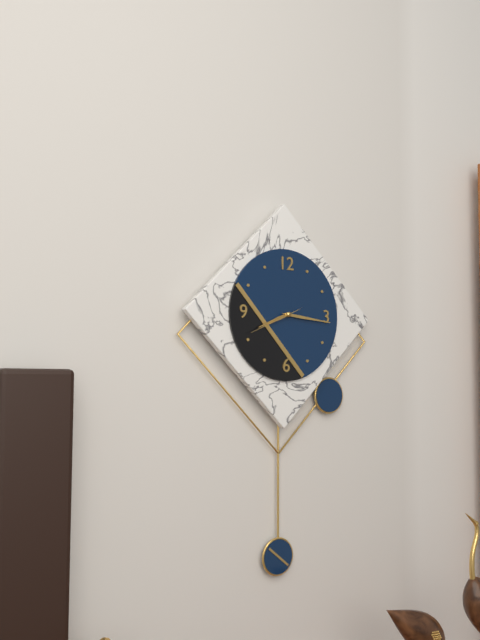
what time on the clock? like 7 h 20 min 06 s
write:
8 h 16 min 41 s
